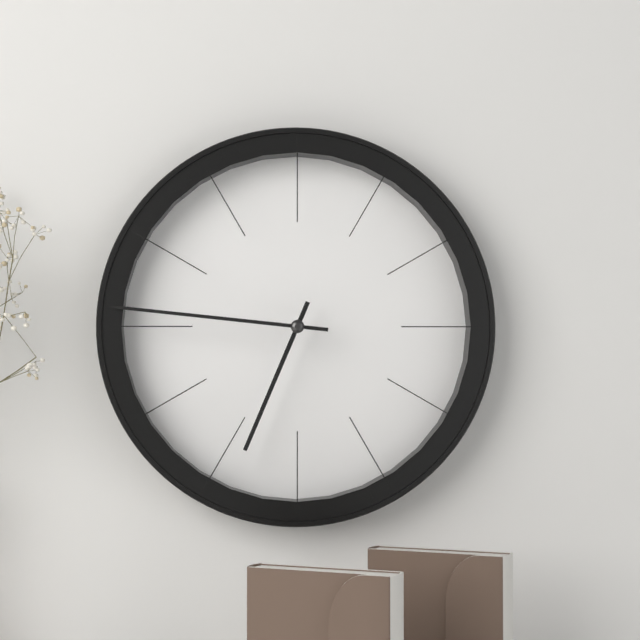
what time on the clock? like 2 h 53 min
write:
6 h 46 min
